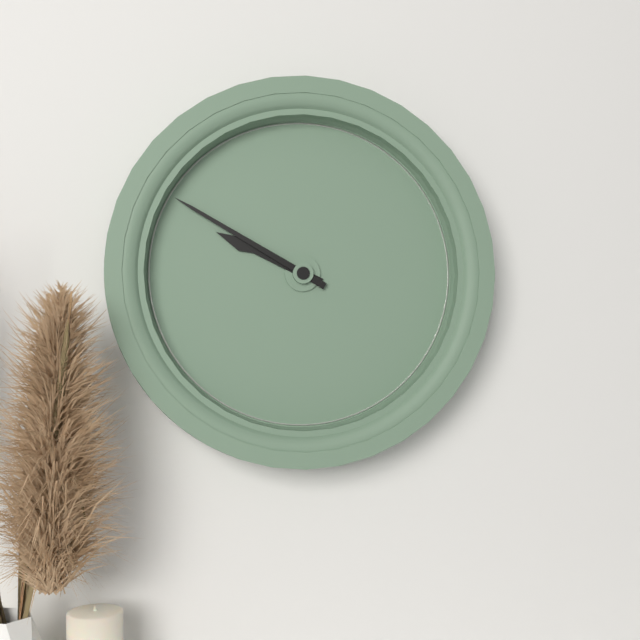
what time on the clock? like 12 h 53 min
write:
9 h 50 min
